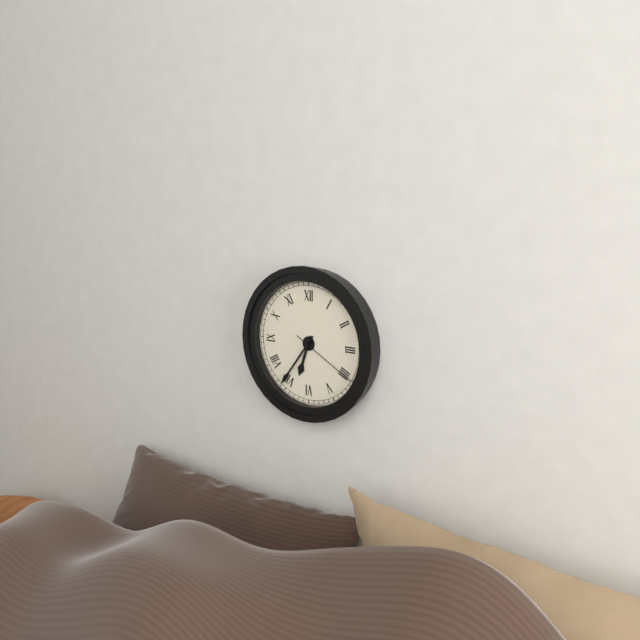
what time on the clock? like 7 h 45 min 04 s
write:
6 h 36 min 20 s
